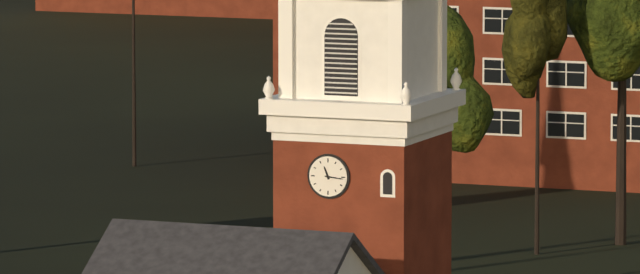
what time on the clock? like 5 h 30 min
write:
11 h 16 min
